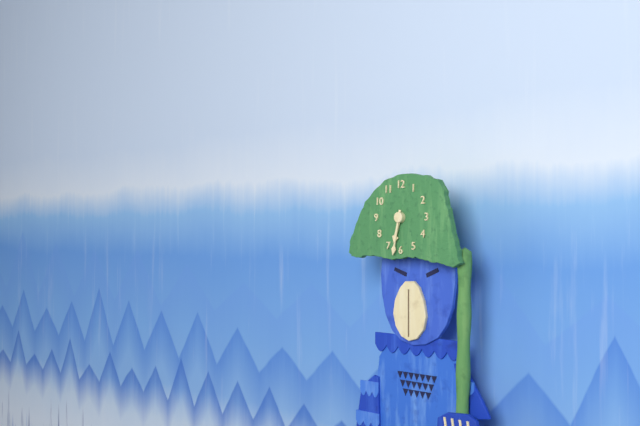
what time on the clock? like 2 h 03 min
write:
6 h 32 min
